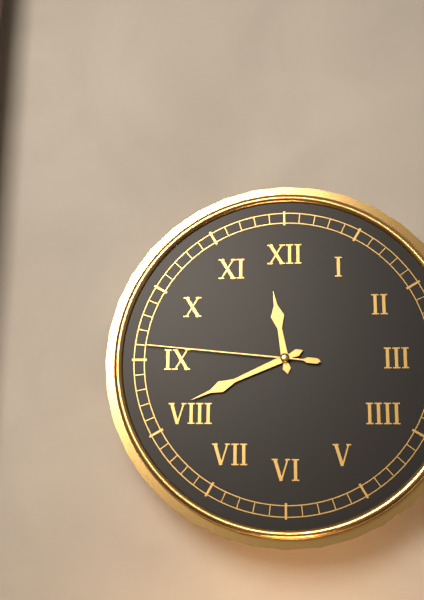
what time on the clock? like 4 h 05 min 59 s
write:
11 h 41 min 46 s
